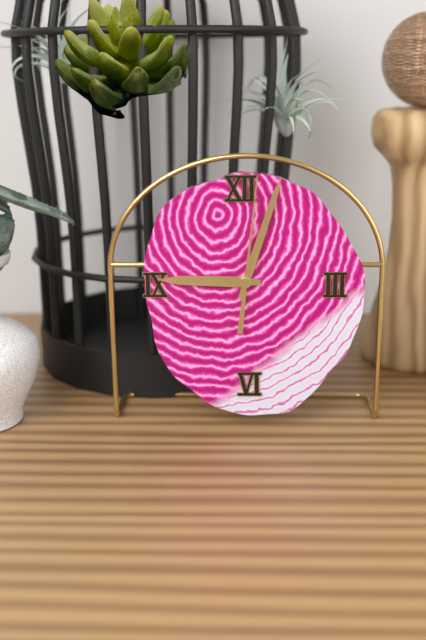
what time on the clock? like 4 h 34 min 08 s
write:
9 h 03 min 01 s
